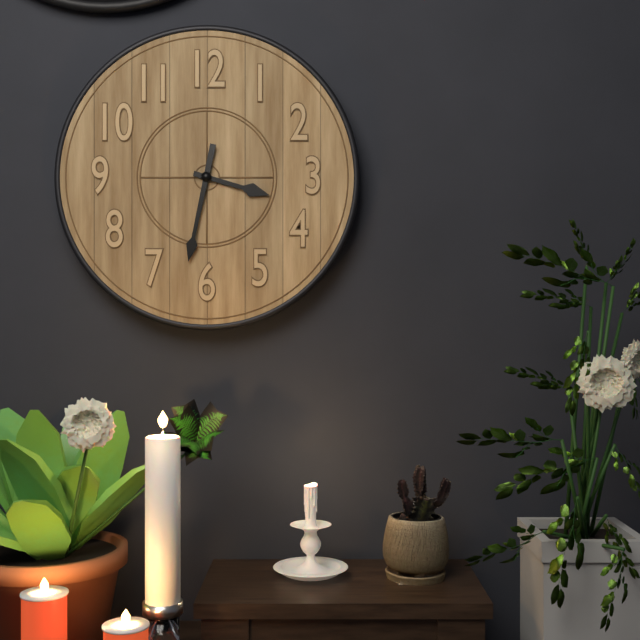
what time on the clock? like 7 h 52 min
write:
3 h 32 min
